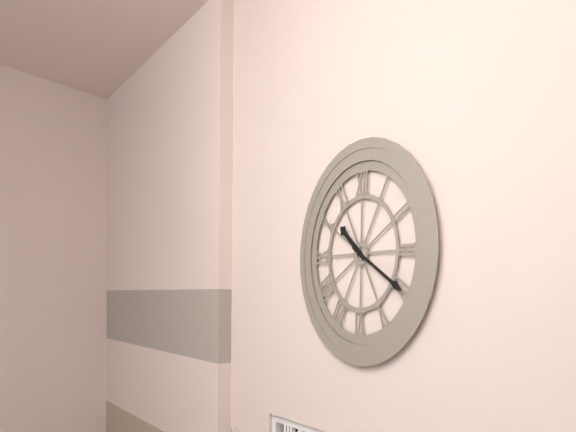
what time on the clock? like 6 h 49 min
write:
10 h 20 min
